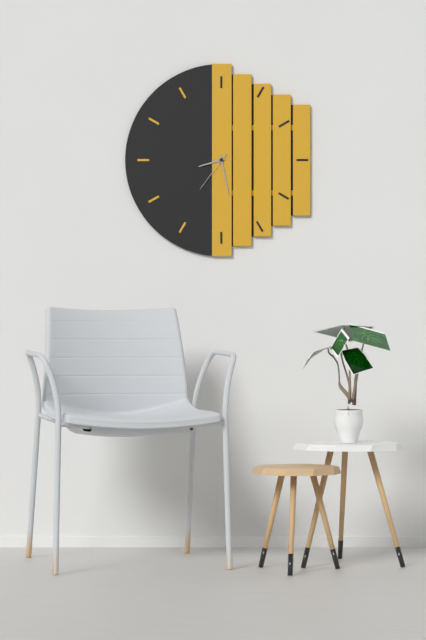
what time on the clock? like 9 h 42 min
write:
8 h 28 min
